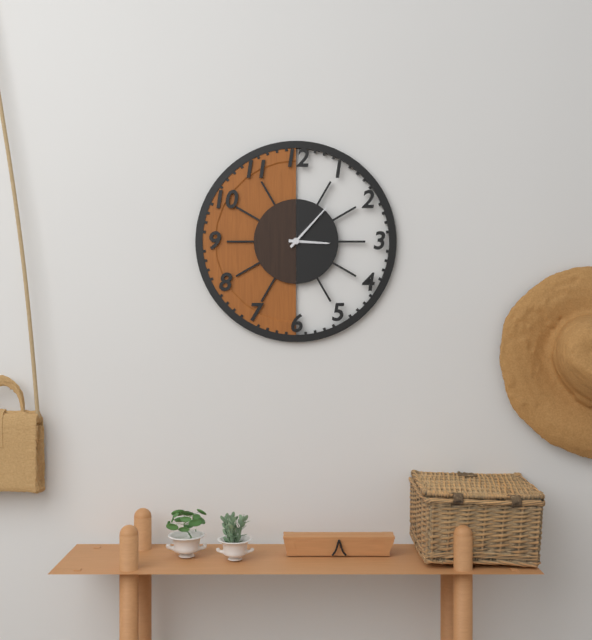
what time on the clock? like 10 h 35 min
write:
3 h 07 min
